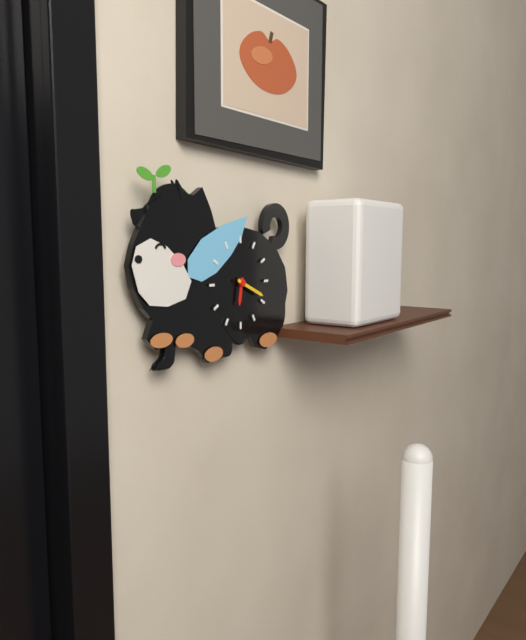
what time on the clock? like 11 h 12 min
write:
6 h 19 min
